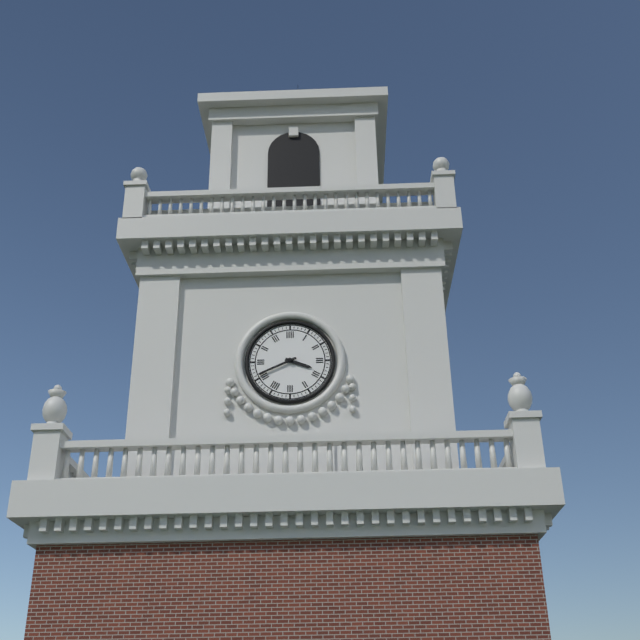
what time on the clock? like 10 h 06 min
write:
3 h 41 min
